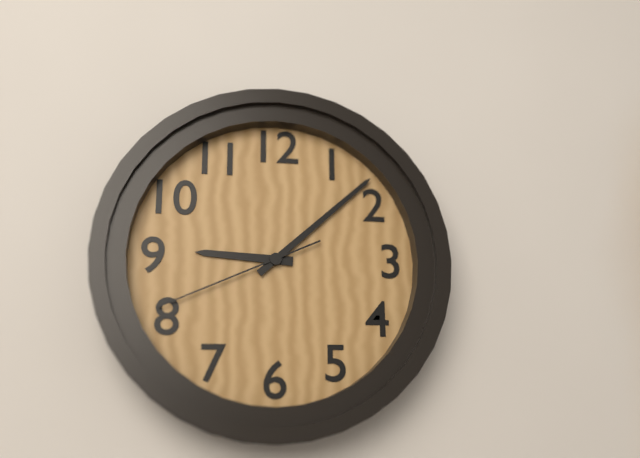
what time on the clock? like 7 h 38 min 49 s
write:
9 h 08 min 41 s
